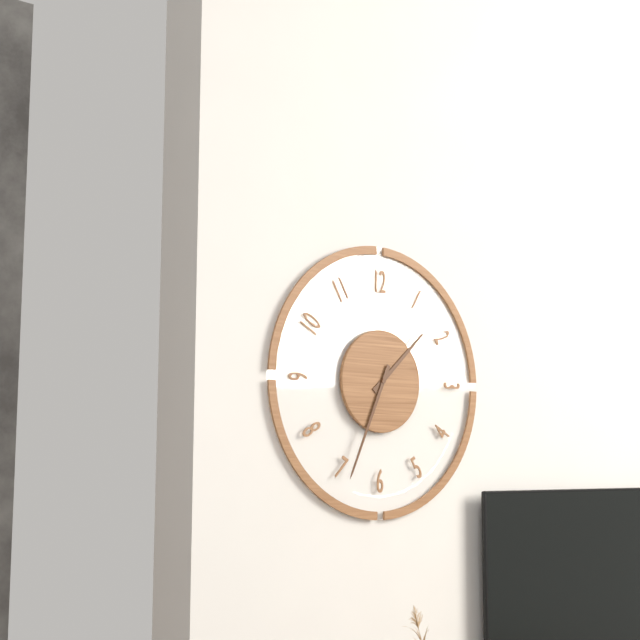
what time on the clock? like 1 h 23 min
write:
1 h 34 min
